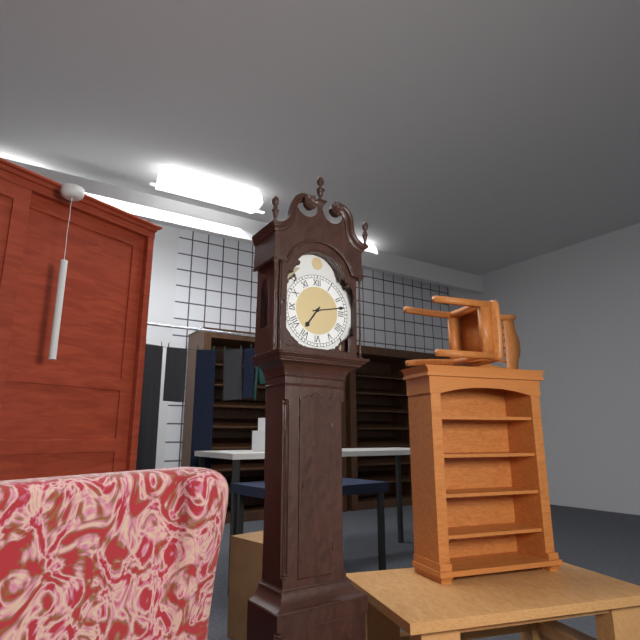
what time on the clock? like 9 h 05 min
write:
7 h 13 min
